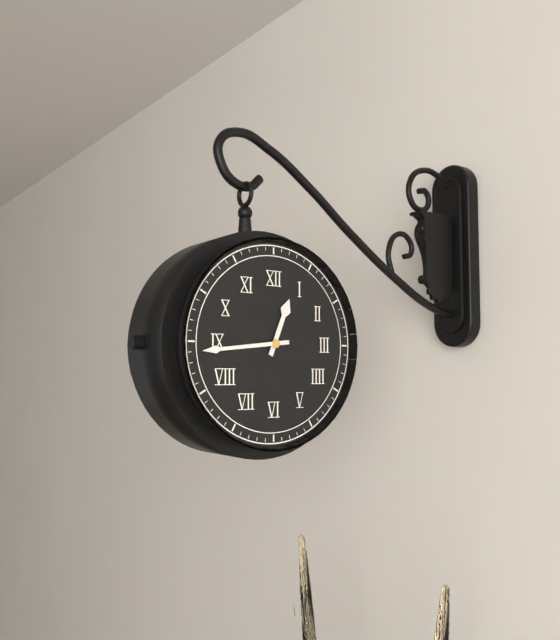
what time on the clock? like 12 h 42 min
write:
12 h 44 min
